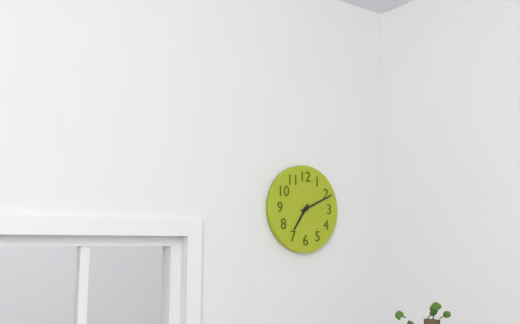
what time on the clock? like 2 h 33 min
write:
7 h 11 min
